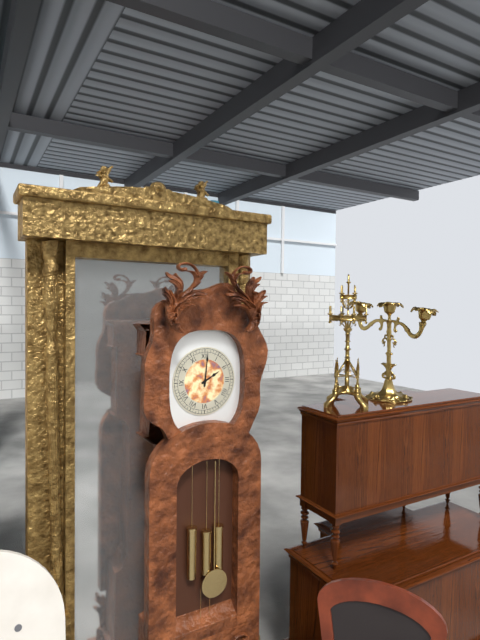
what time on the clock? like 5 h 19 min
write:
2 h 01 min
